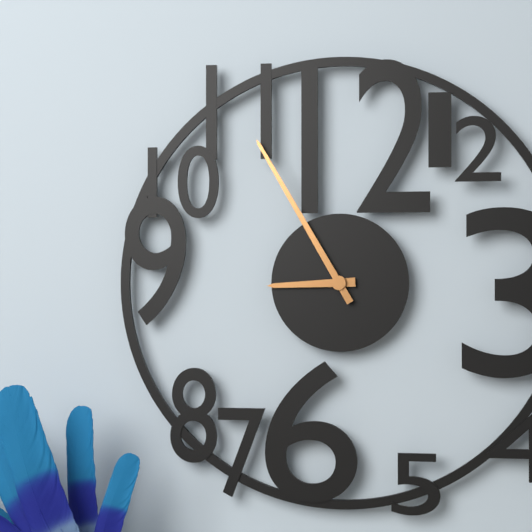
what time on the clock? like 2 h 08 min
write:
8 h 55 min
